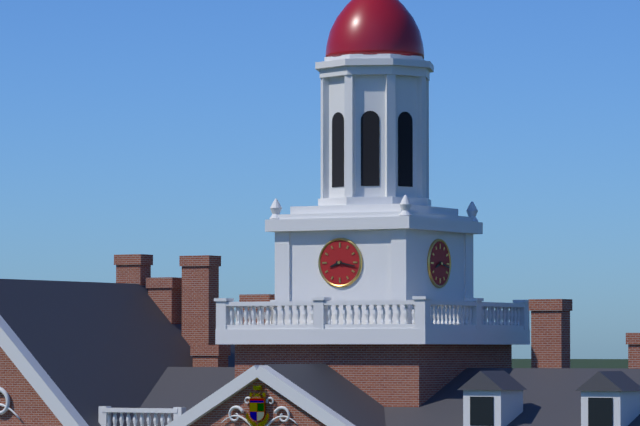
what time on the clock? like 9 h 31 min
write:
8 h 17 min
